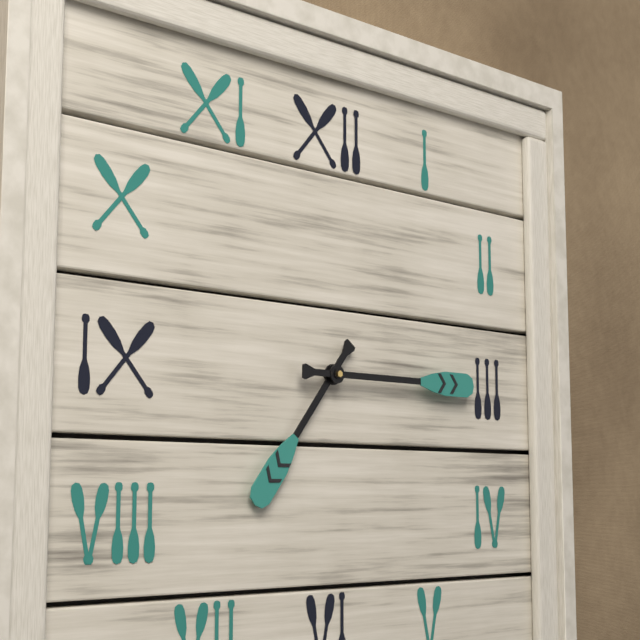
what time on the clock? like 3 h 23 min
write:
7 h 15 min
